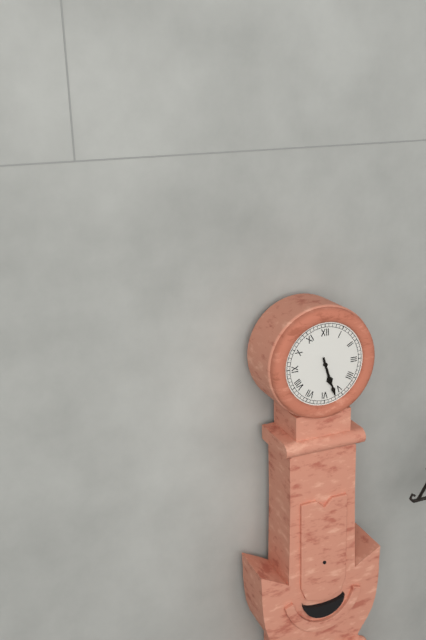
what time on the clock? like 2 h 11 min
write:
5 h 27 min
